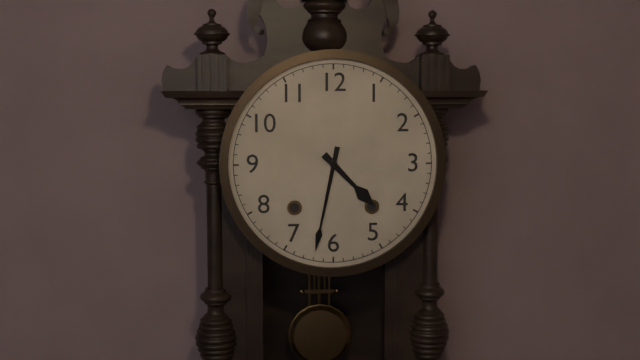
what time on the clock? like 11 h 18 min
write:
4 h 32 min
